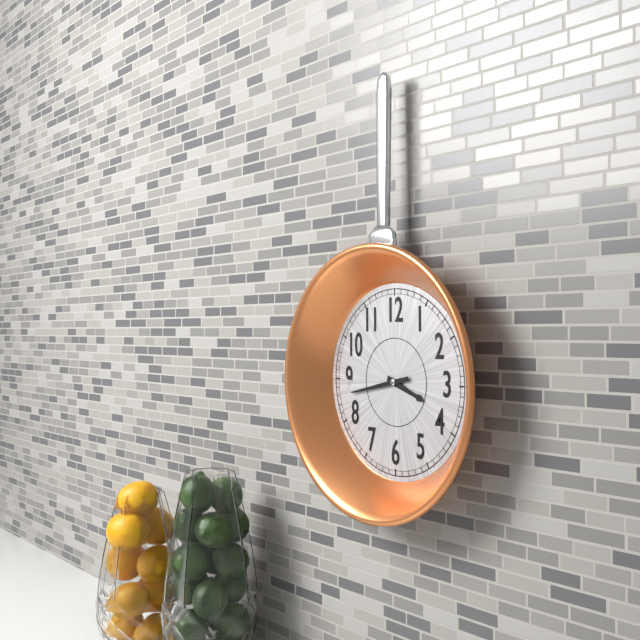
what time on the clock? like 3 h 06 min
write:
3 h 43 min
